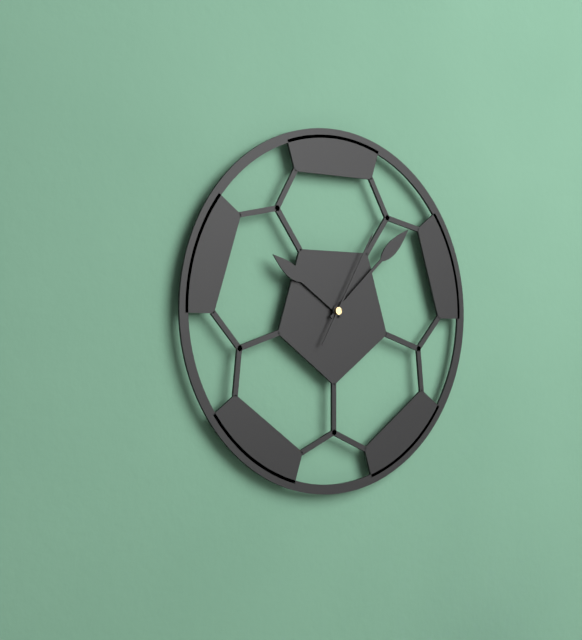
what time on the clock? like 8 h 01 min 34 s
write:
10 h 08 min 05 s
